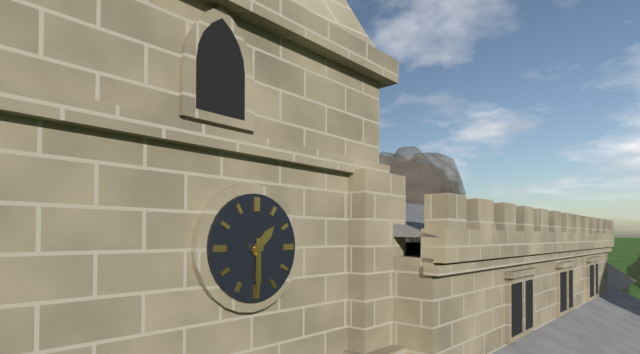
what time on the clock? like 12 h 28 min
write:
1 h 30 min
